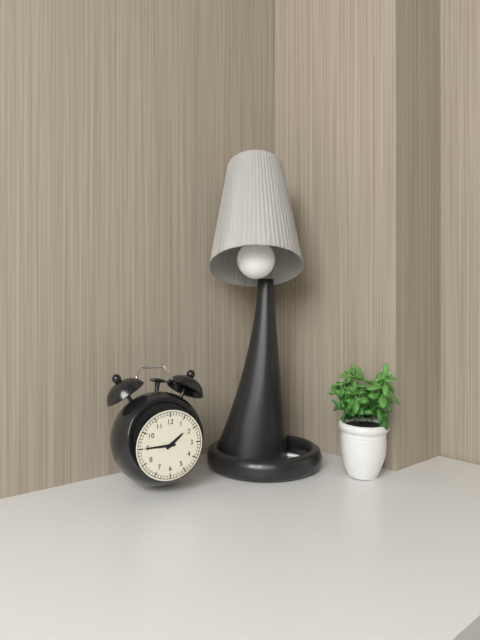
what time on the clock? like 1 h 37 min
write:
1 h 45 min
